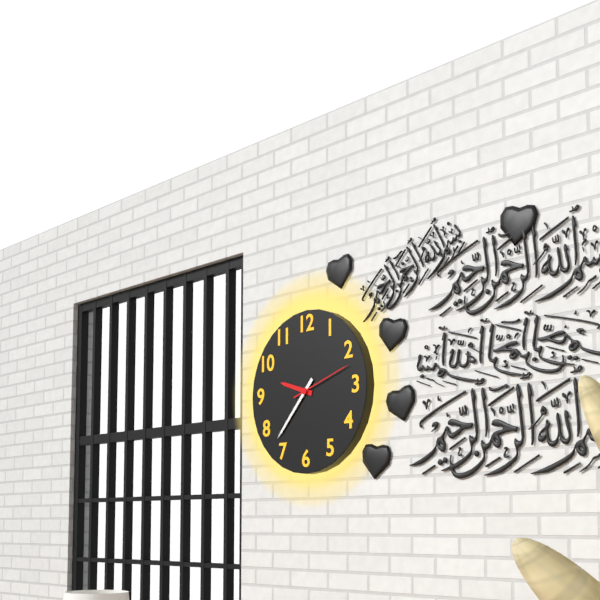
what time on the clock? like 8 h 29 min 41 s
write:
9 h 37 min 12 s
